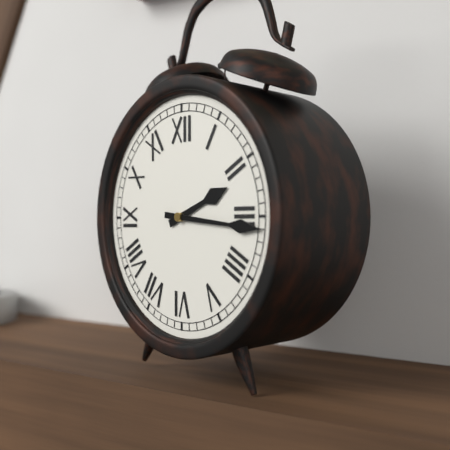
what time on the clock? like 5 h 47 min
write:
2 h 16 min
